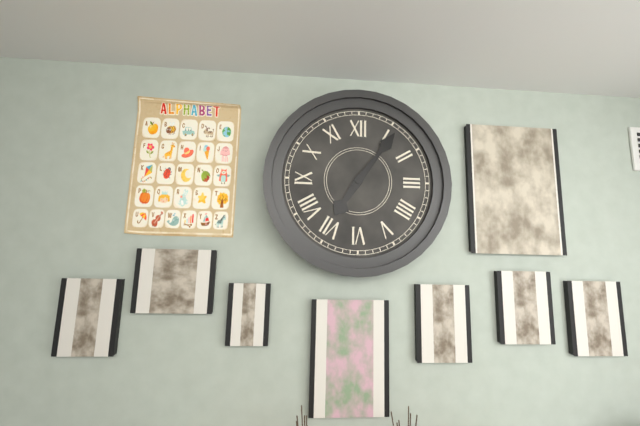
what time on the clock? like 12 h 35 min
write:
7 h 06 min
